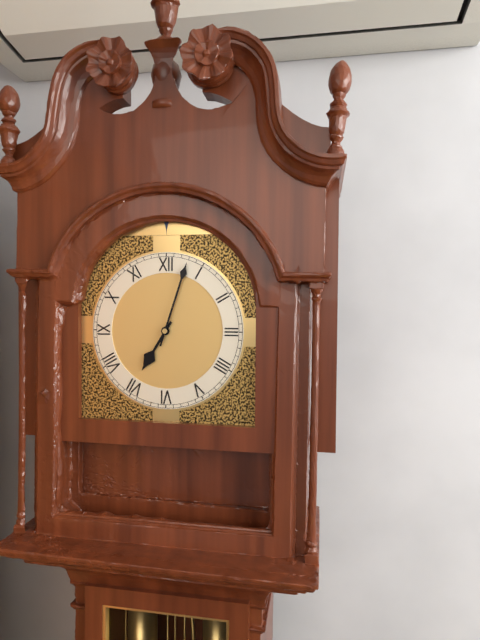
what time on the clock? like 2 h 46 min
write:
7 h 03 min
